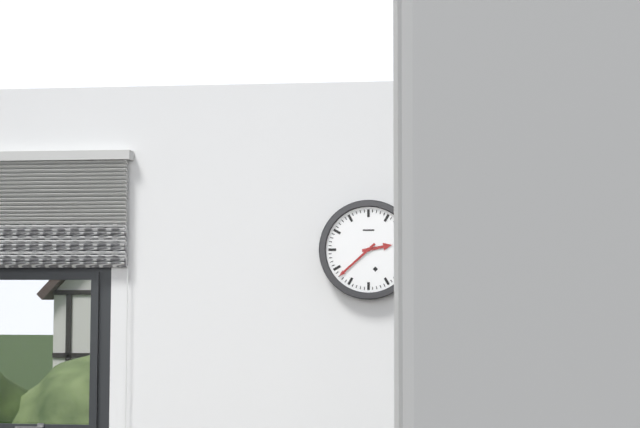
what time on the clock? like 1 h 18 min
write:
2 h 38 min
